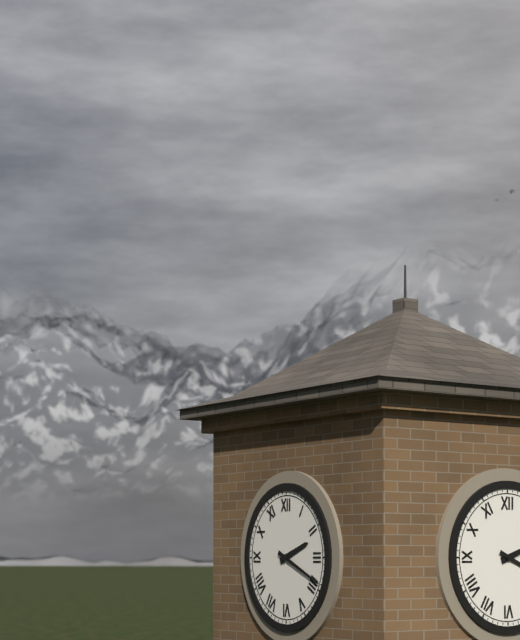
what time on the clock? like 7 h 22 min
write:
2 h 19 min
